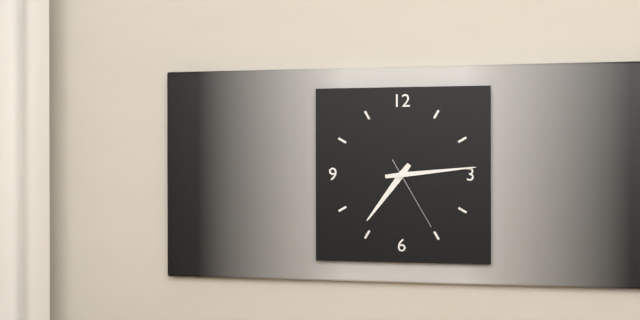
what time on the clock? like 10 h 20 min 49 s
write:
7 h 14 min 25 s
